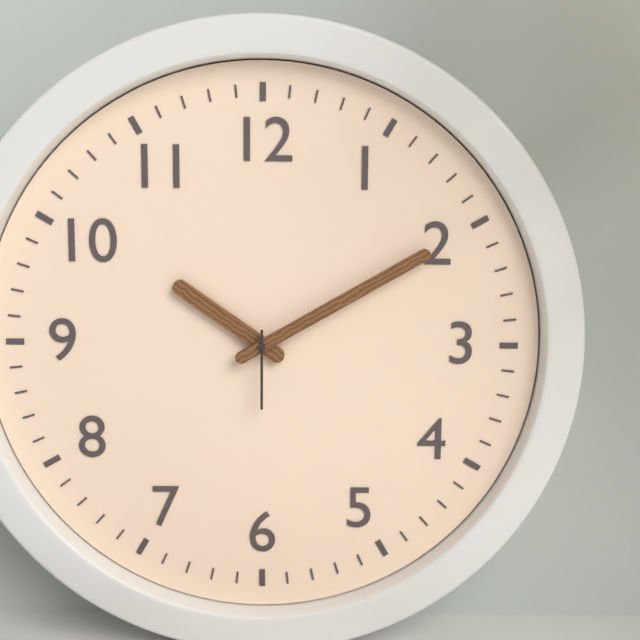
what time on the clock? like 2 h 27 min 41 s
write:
10 h 10 min 30 s
